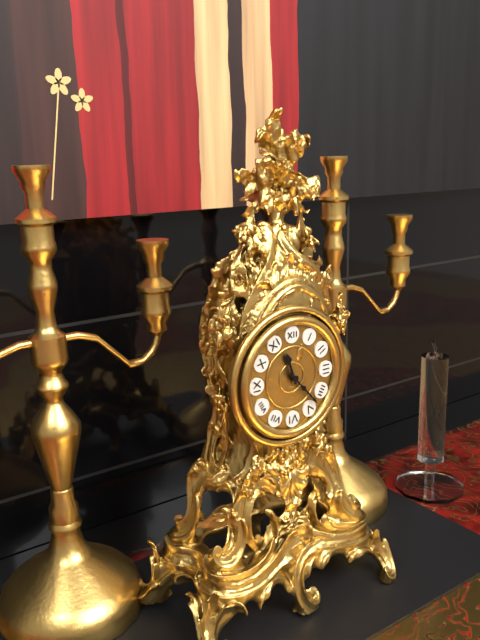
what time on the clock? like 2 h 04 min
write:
11 h 23 min
